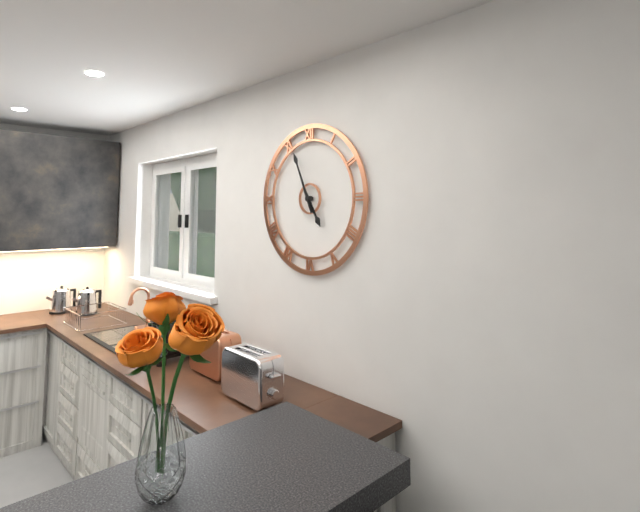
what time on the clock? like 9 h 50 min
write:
4 h 56 min
